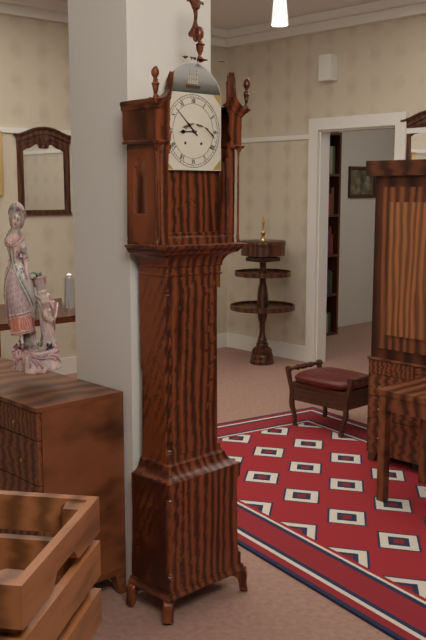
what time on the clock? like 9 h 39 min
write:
8 h 52 min
